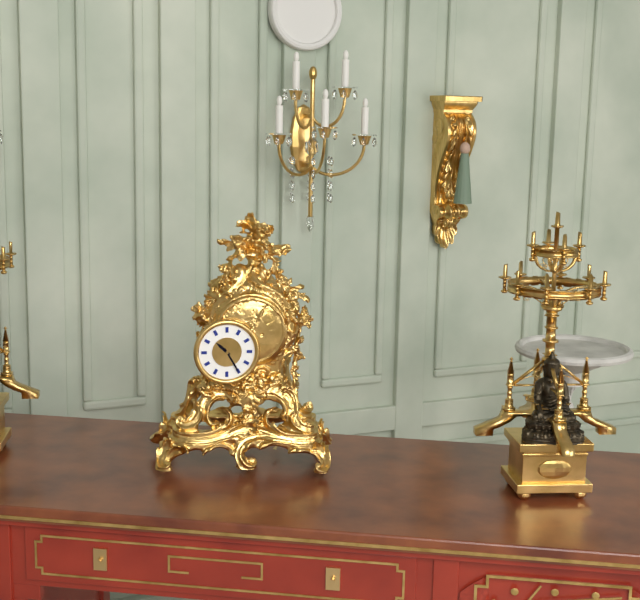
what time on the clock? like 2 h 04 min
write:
10 h 25 min
